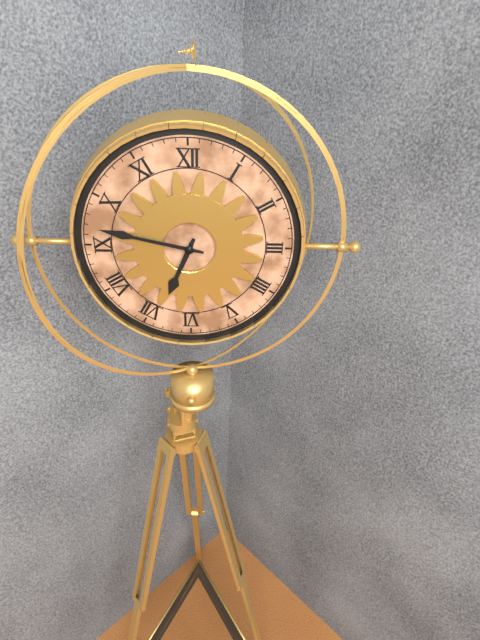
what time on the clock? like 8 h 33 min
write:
6 h 47 min
